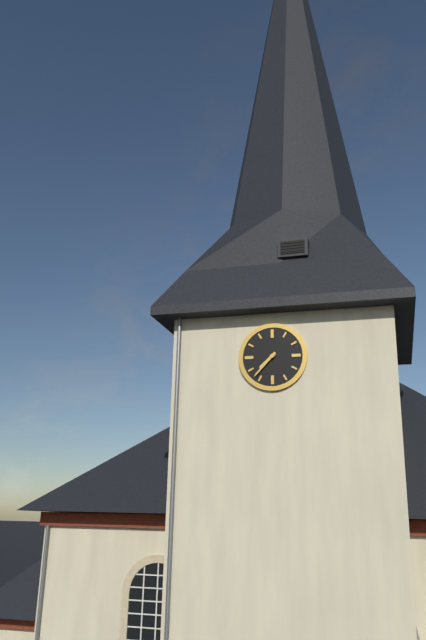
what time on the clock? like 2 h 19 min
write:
7 h 37 min
